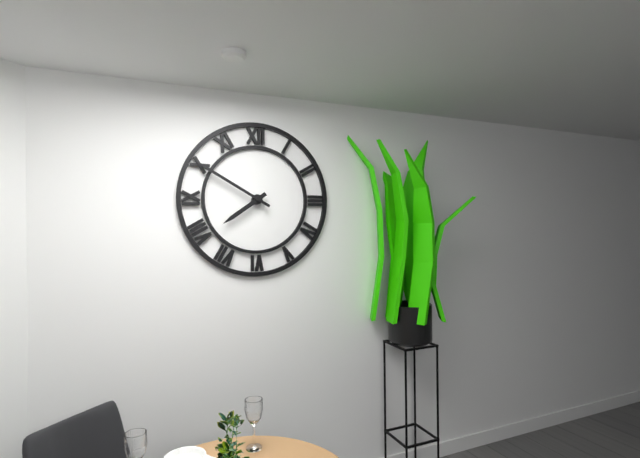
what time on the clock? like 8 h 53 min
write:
7 h 50 min
